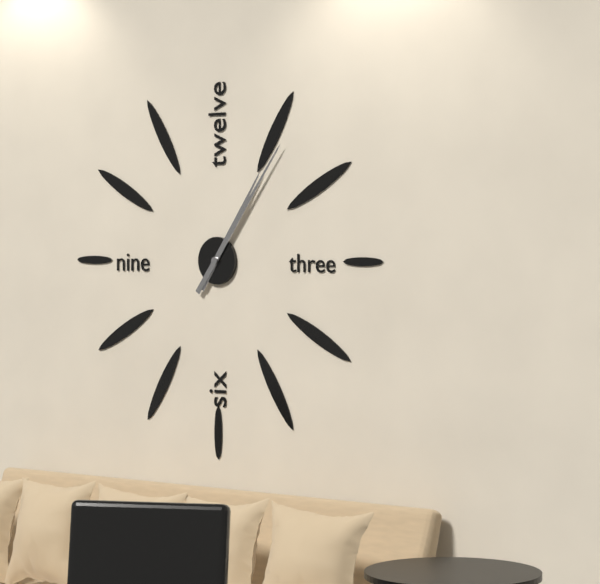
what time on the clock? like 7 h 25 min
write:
1 h 06 min
